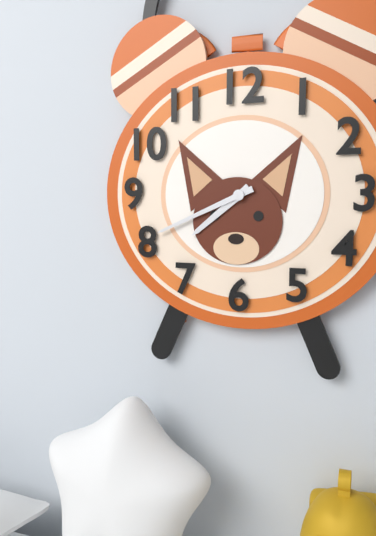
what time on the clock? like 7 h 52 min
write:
7 h 41 min
